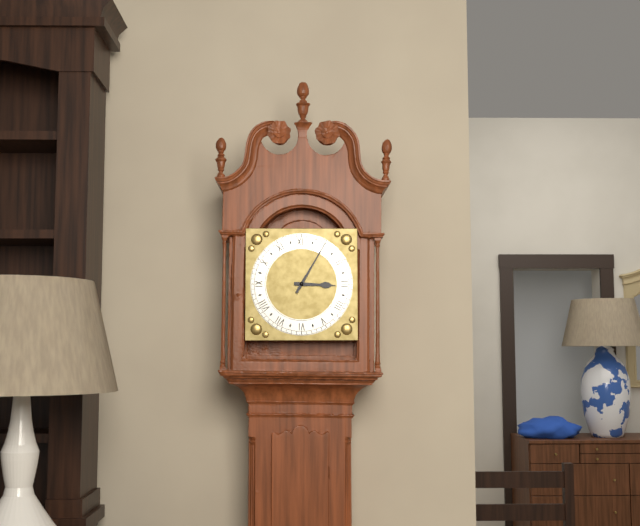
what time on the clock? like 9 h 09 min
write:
3 h 05 min
